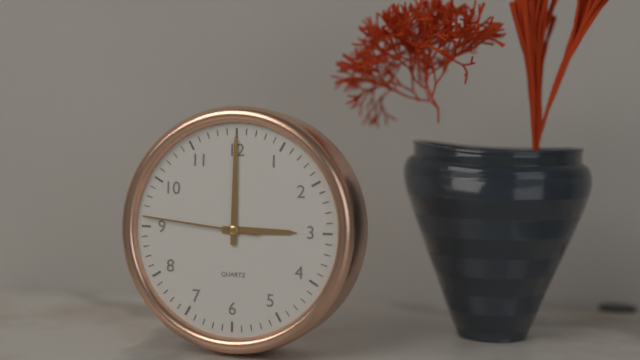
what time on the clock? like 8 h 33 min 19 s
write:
3 h 00 min 46 s
